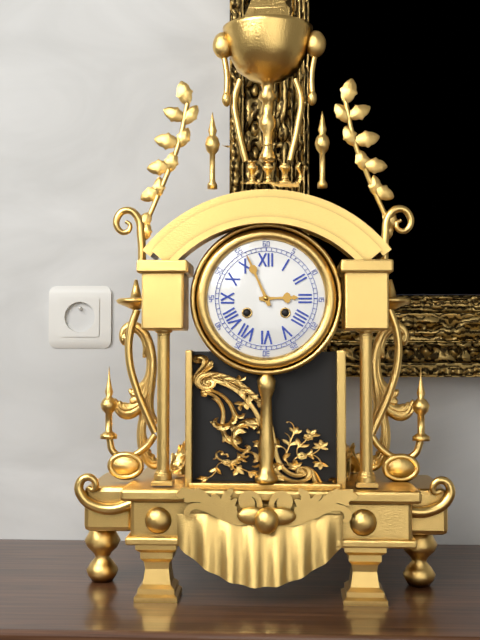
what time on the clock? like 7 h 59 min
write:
2 h 56 min
